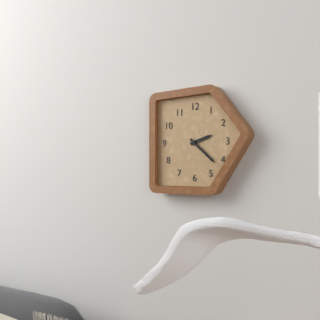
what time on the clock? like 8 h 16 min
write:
2 h 22 min
